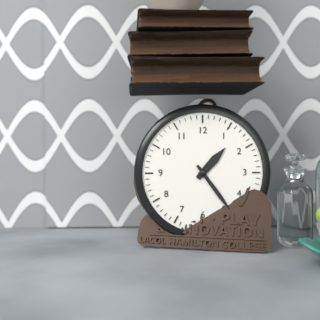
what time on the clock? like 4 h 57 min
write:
1 h 24 min
